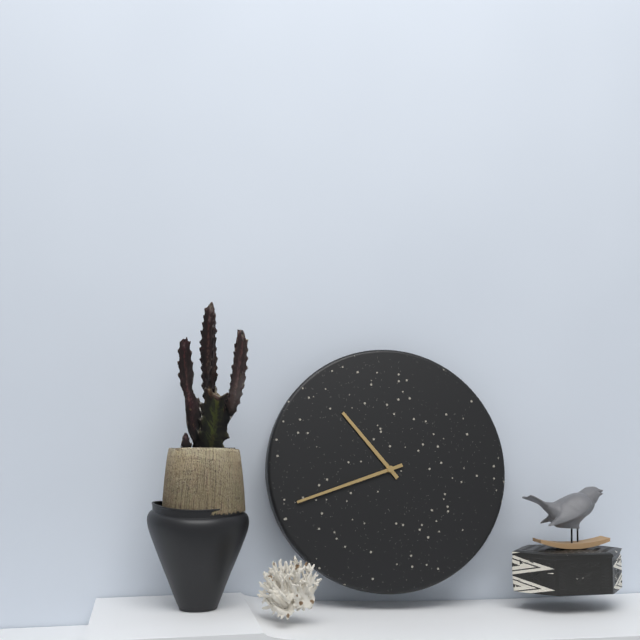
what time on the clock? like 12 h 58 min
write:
10 h 42 min
